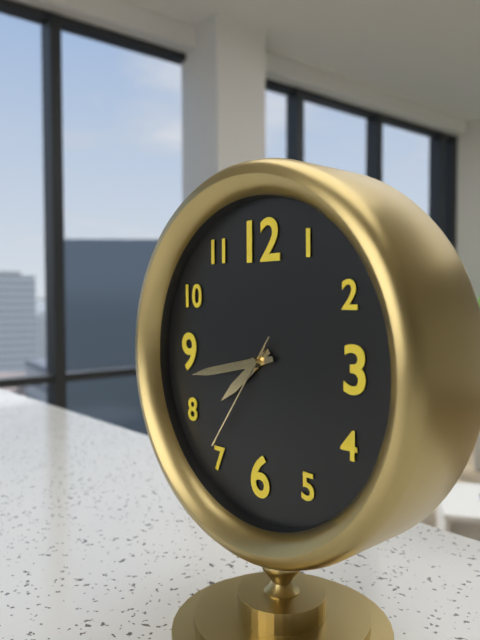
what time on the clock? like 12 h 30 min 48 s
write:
7 h 43 min 36 s
